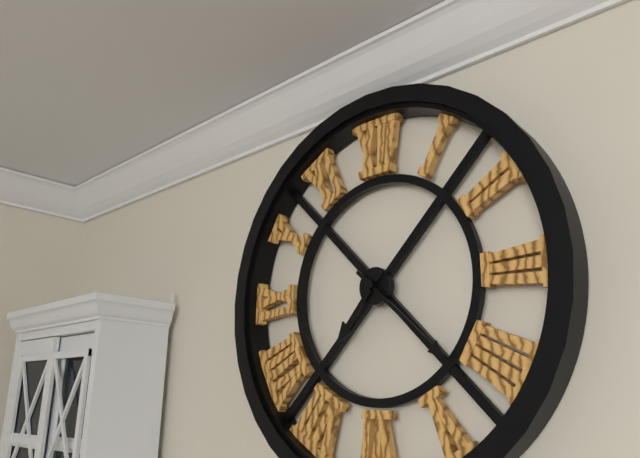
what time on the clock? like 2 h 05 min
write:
7 h 22 min
